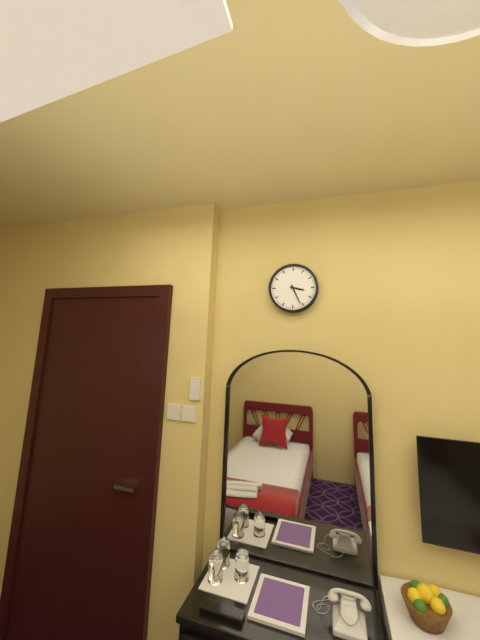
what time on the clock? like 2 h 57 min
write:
3 h 26 min
